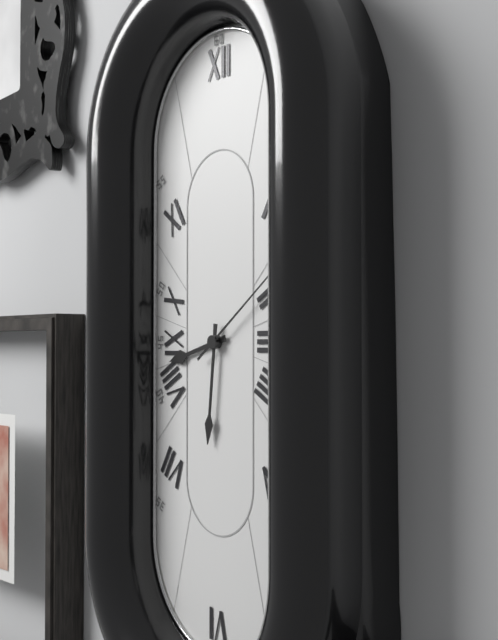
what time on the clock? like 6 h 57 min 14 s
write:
8 h 31 min 09 s
